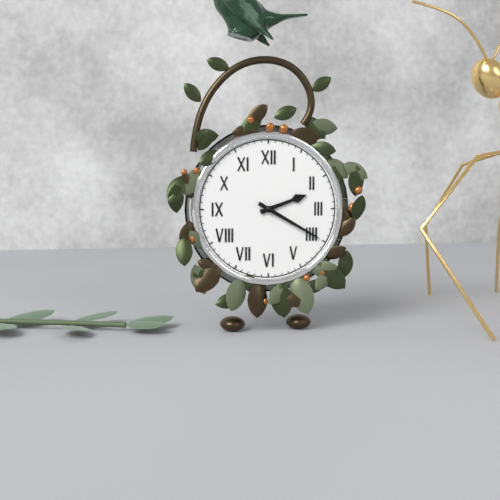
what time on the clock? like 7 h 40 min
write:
2 h 20 min
